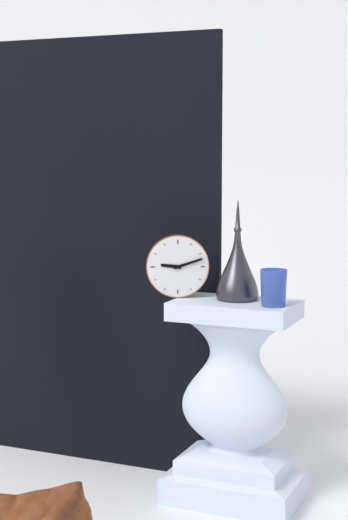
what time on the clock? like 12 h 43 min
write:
9 h 12 min
